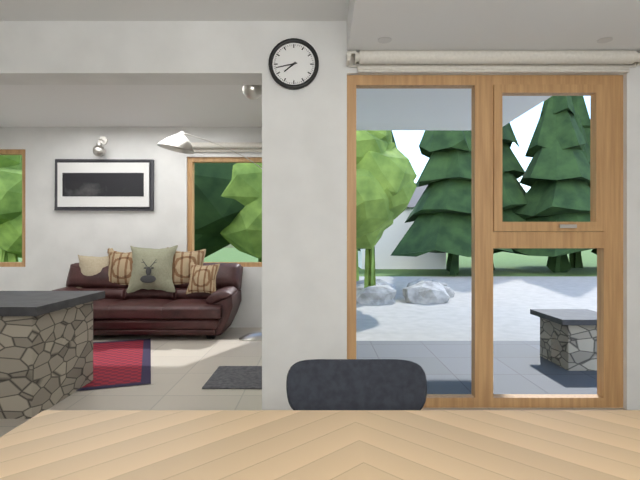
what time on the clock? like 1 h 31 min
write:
7 h 43 min
